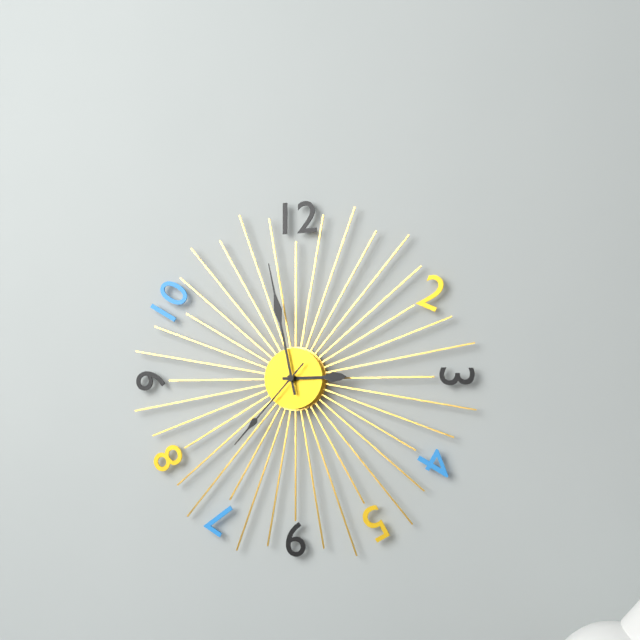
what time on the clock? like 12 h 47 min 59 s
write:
2 h 58 min 37 s
